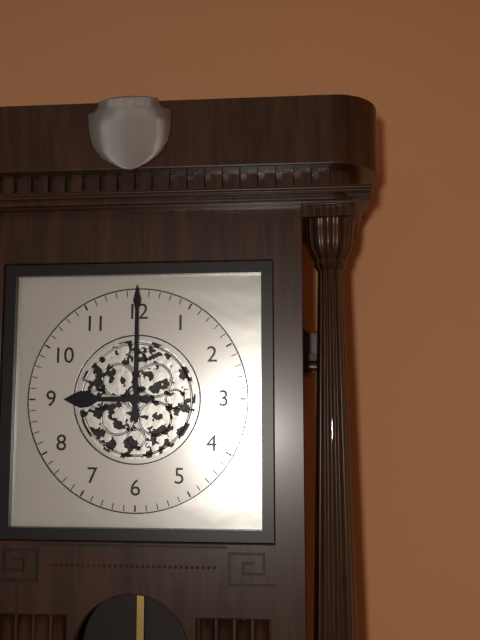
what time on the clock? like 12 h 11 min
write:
9 h 00 min
